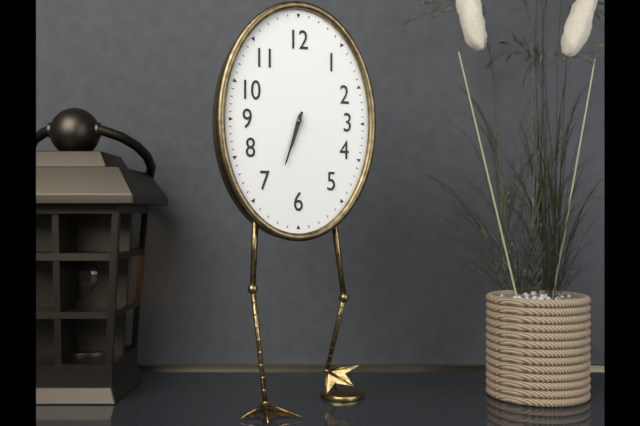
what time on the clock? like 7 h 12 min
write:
6 h 33 min
